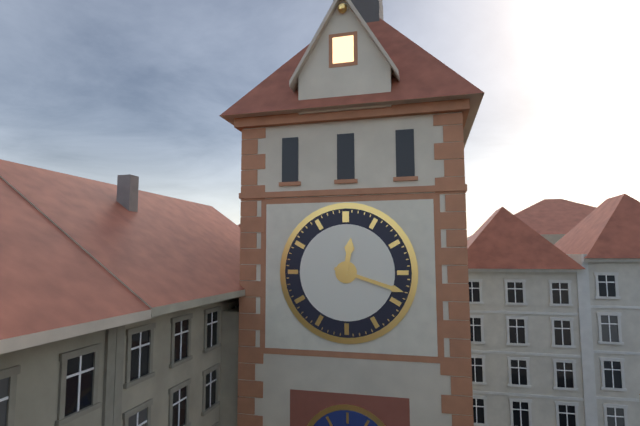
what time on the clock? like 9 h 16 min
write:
12 h 18 min
